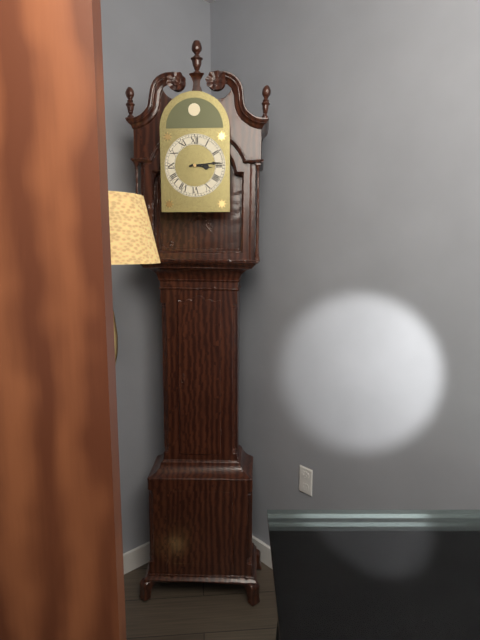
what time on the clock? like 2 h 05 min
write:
3 h 14 min
